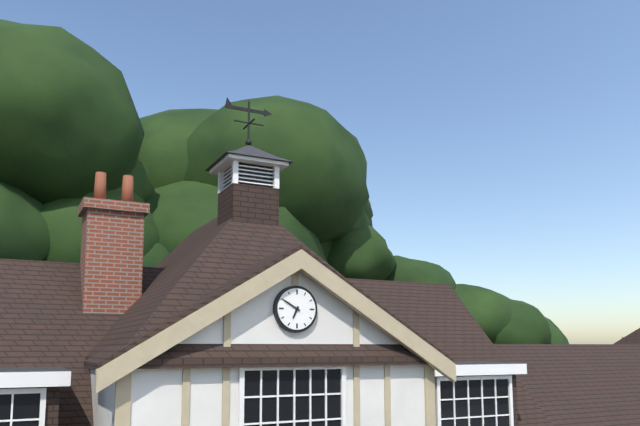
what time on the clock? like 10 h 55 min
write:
6 h 50 min
